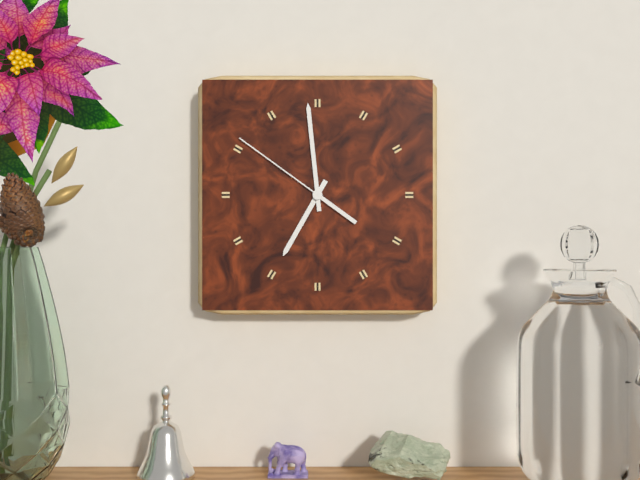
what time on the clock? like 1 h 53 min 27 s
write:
6 h 59 min 51 s
